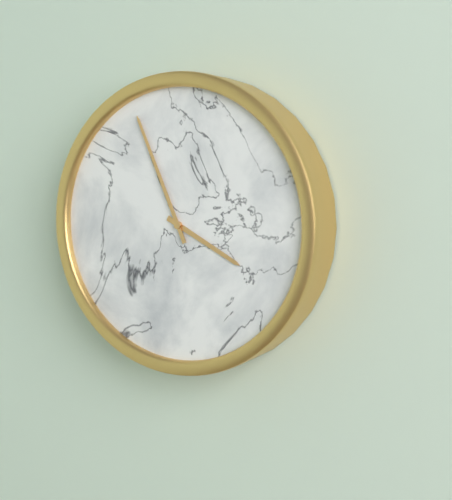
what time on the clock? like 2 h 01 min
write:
3 h 56 min
